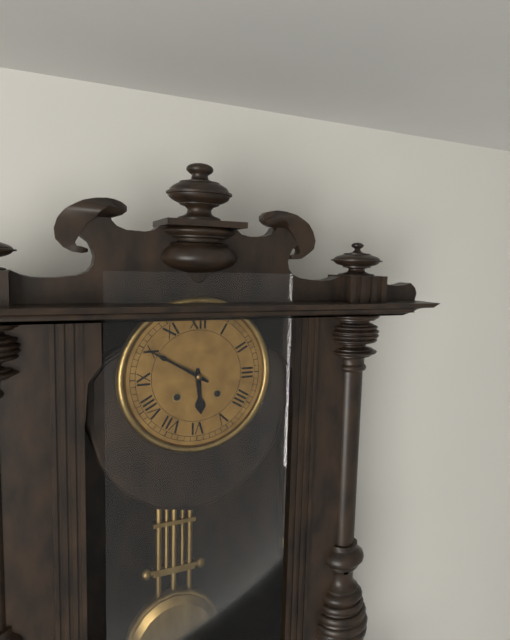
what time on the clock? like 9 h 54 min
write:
5 h 50 min
